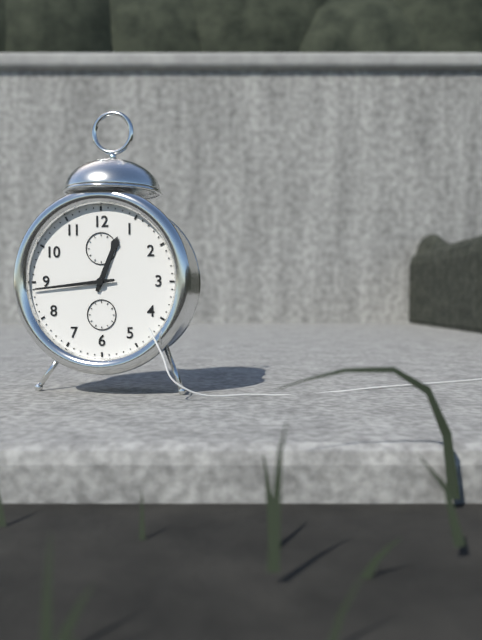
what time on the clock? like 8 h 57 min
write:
12 h 44 min
